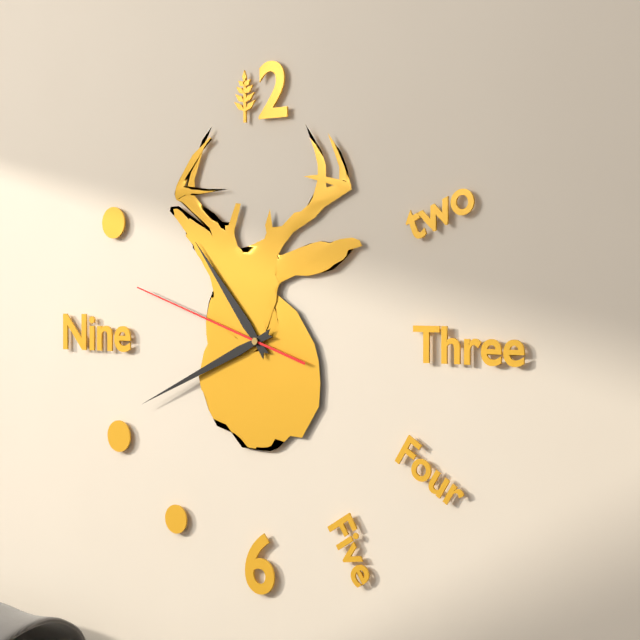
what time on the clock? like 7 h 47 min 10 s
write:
10 h 41 min 48 s
